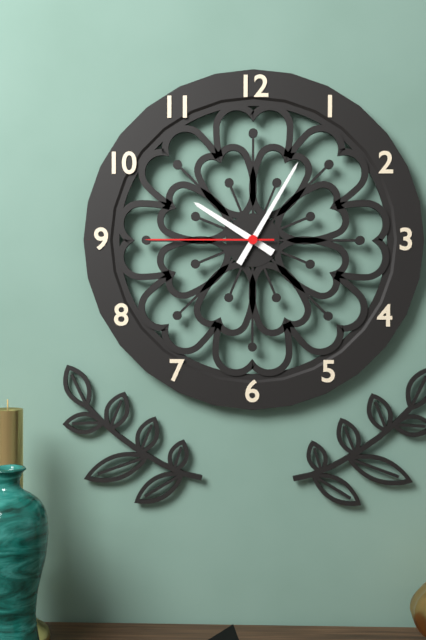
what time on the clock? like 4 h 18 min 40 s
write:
10 h 05 min 45 s
